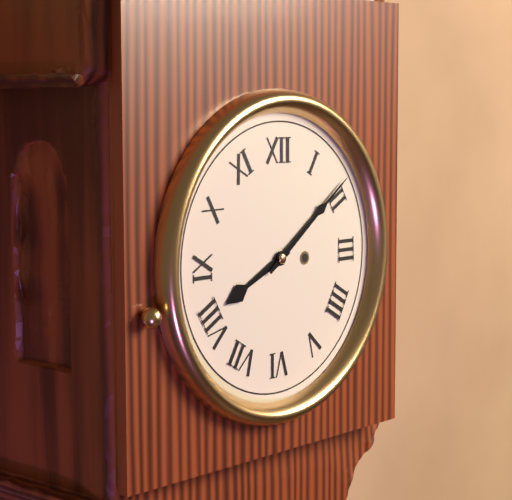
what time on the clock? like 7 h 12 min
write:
8 h 09 min
